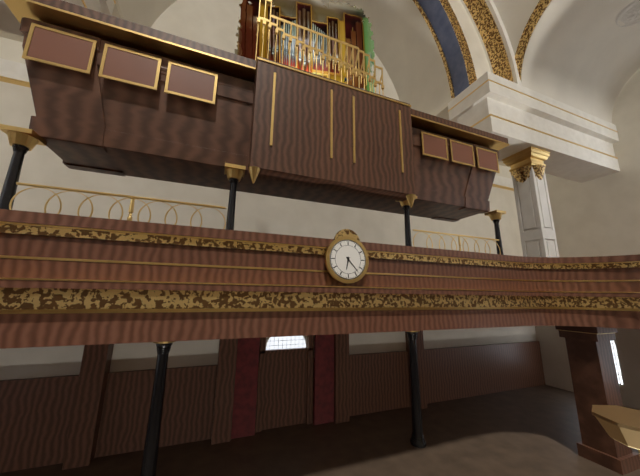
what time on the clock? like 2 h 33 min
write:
6 h 23 min
